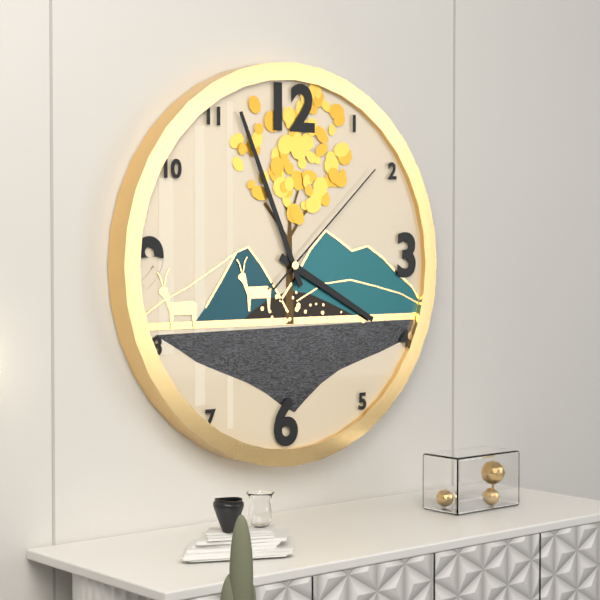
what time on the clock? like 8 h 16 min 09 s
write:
3 h 56 min 08 s
